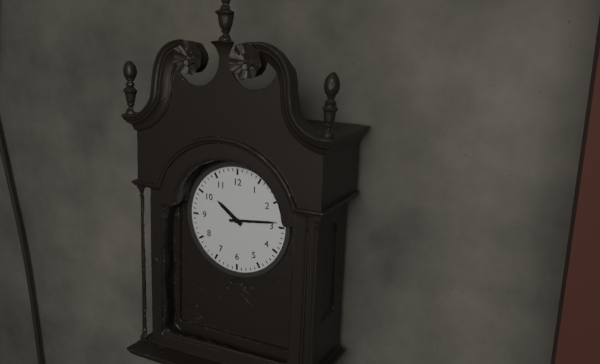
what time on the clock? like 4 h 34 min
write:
10 h 14 min
